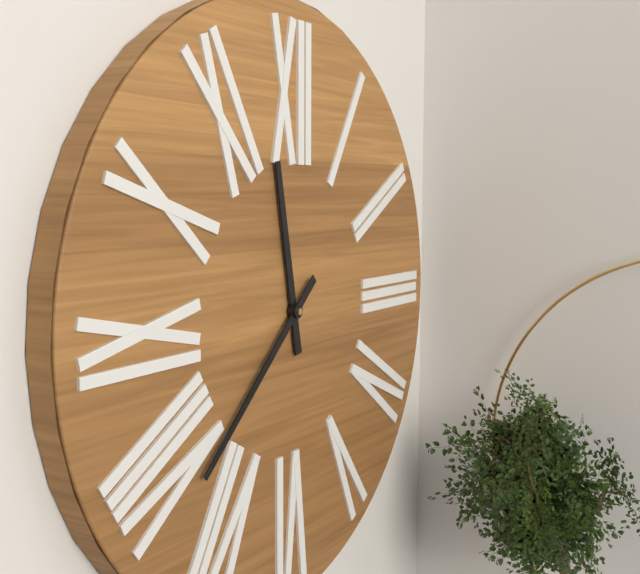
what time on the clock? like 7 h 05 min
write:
11 h 38 min
